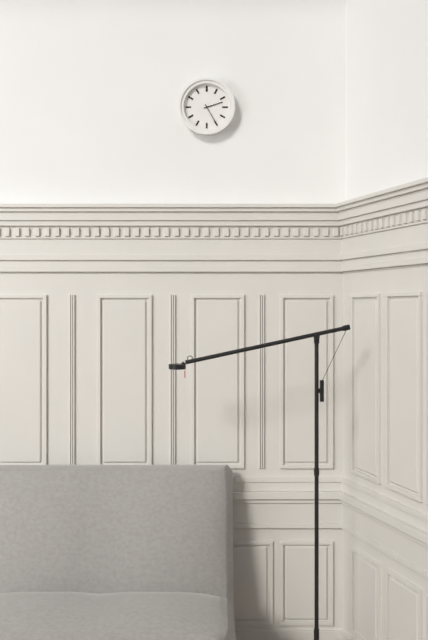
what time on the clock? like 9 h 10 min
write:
2 h 25 min
